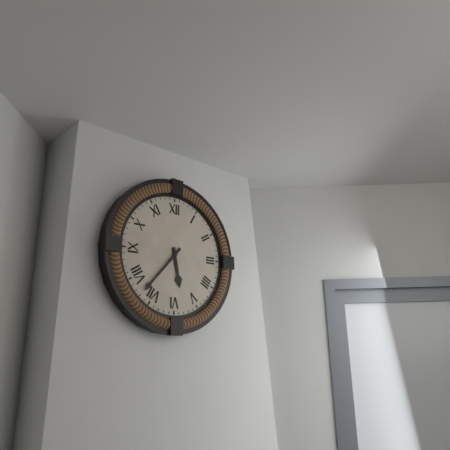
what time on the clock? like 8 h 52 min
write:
5 h 37 min
